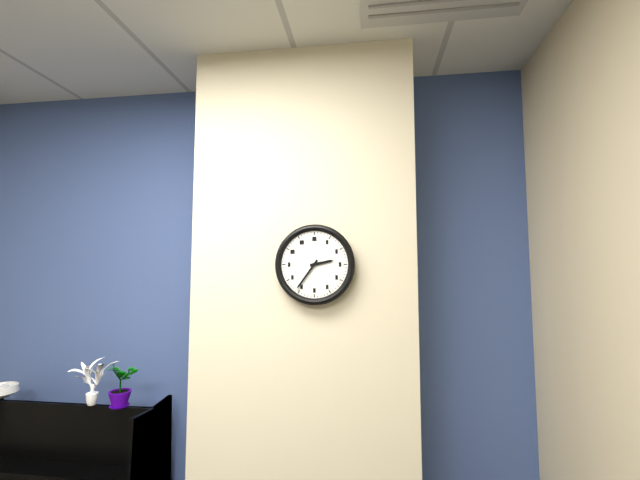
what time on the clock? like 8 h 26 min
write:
2 h 36 min
